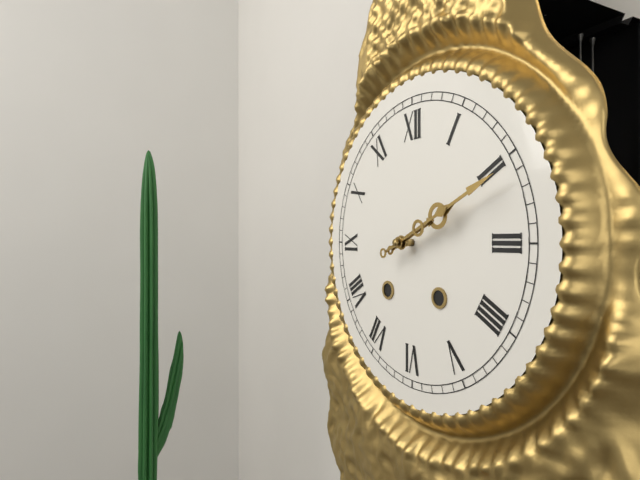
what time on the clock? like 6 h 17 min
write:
2 h 11 min
